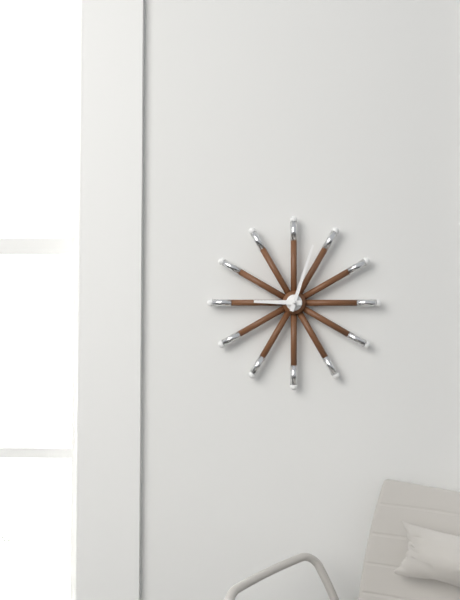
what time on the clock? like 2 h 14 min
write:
9 h 03 min
